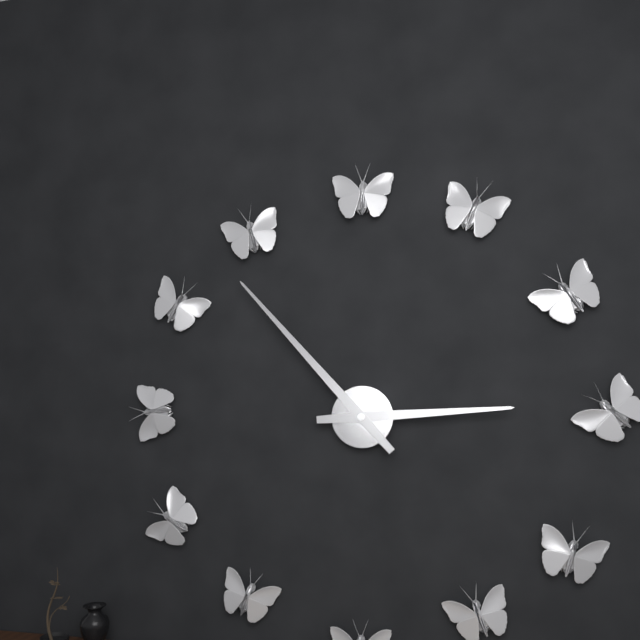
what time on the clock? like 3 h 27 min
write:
2 h 53 min
